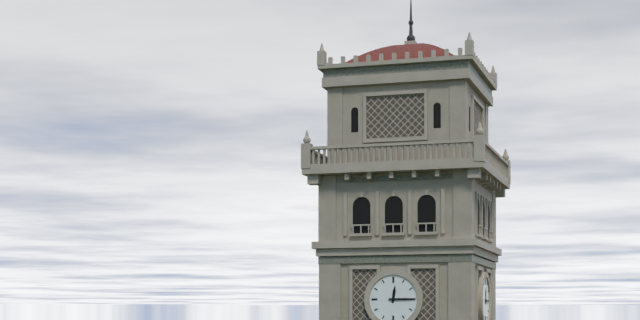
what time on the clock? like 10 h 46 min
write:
12 h 15 min
